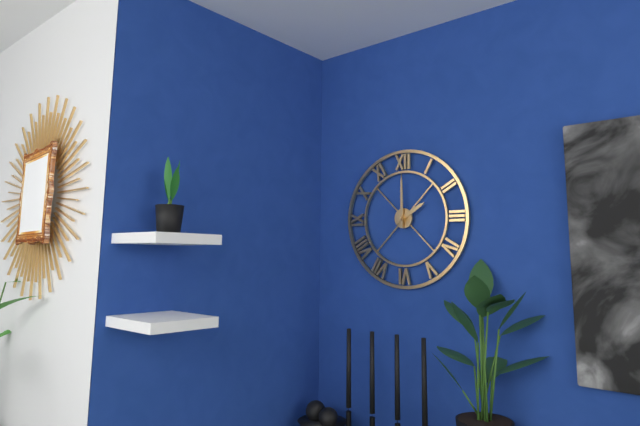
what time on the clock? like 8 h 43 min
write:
2 h 00 min
